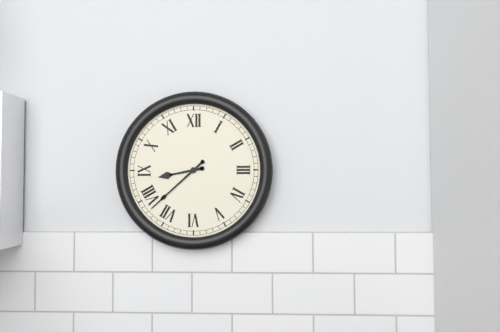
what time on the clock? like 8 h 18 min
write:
8 h 38 min
